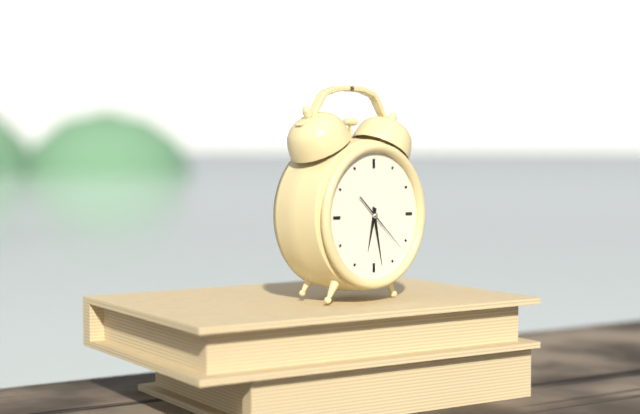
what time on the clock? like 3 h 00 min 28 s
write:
6 h 28 min 22 s
